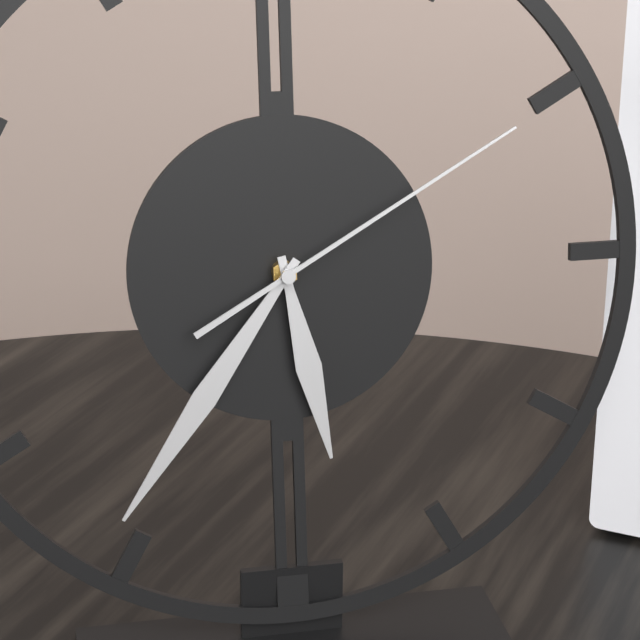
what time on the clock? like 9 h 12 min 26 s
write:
5 h 36 min 10 s
